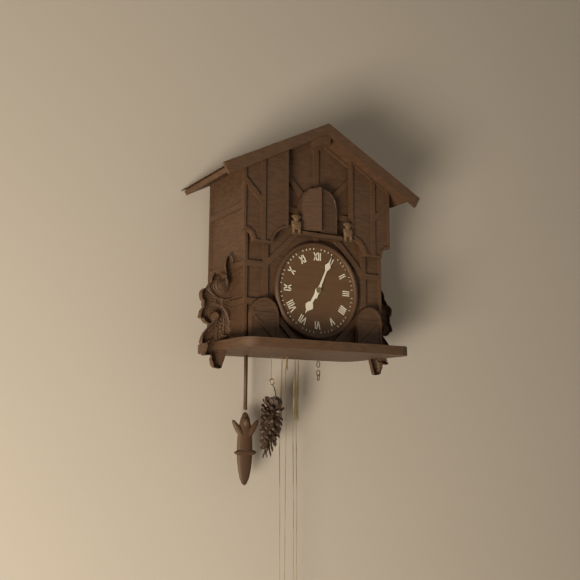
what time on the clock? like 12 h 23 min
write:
7 h 04 min
